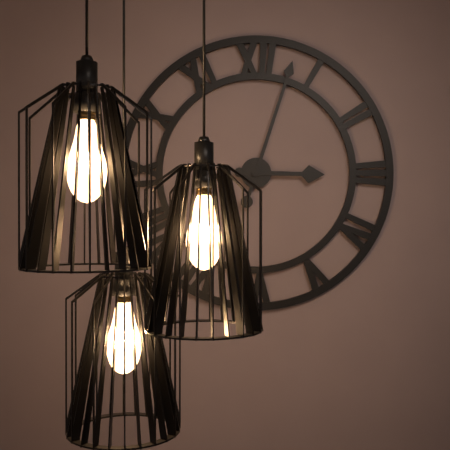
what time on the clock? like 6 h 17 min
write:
3 h 03 min
